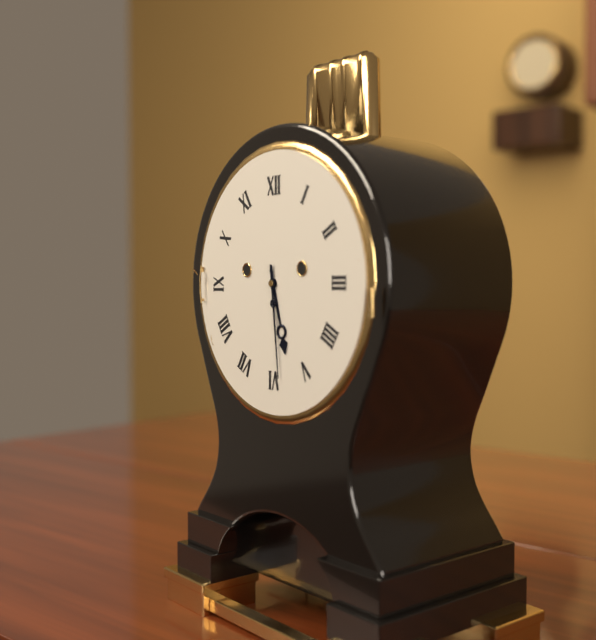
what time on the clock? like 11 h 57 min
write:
5 h 29 min
